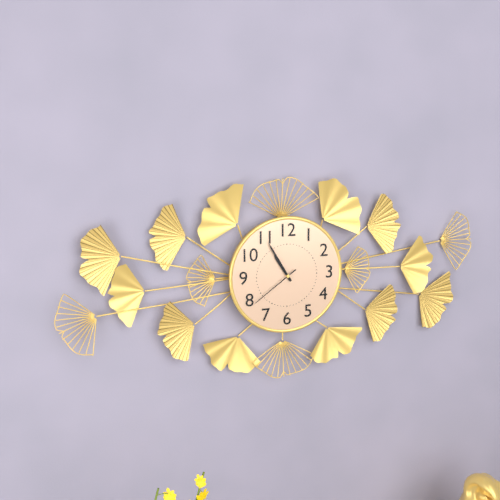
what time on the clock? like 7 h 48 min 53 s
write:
10 h 55 min 39 s
